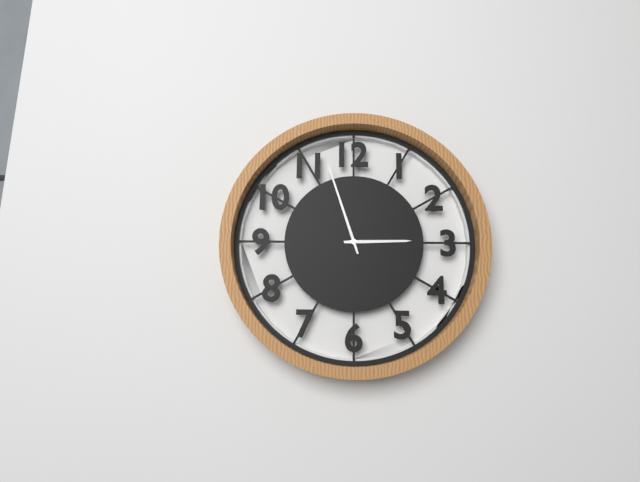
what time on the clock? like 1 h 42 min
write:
2 h 57 min
